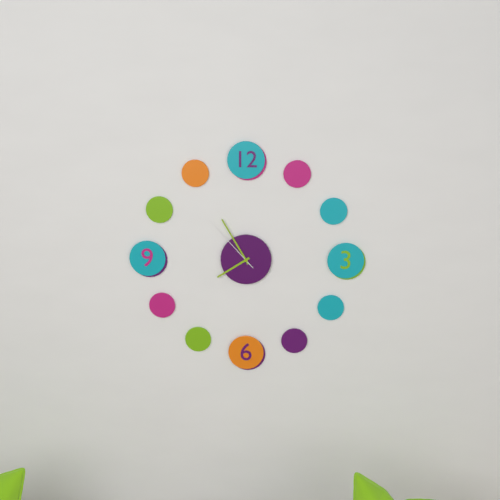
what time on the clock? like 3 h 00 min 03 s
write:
7 h 55 min 53 s
